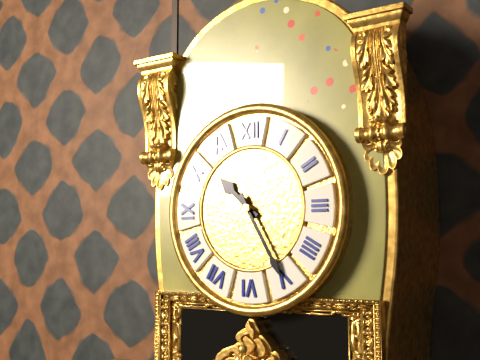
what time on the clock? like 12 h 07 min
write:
10 h 25 min
